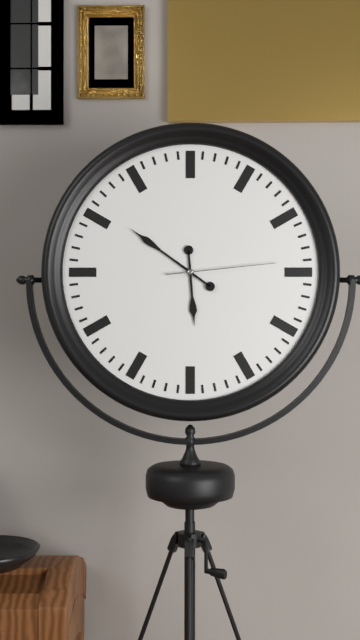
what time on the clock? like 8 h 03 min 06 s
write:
5 h 51 min 14 s
